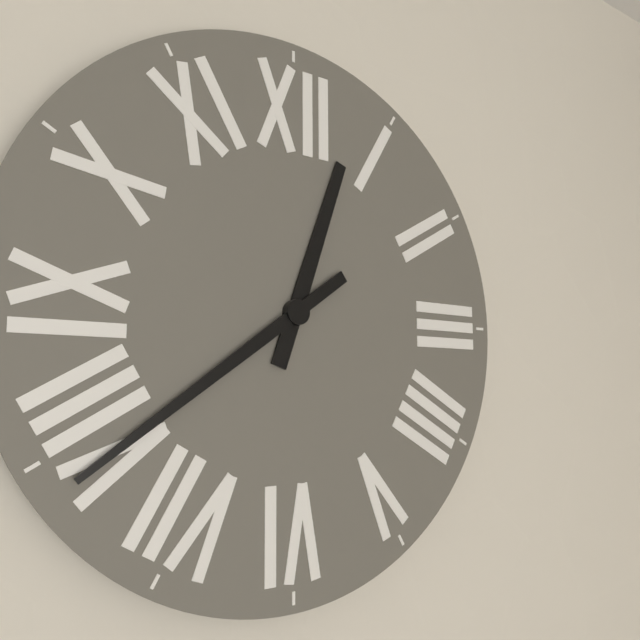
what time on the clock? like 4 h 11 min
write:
12 h 39 min
